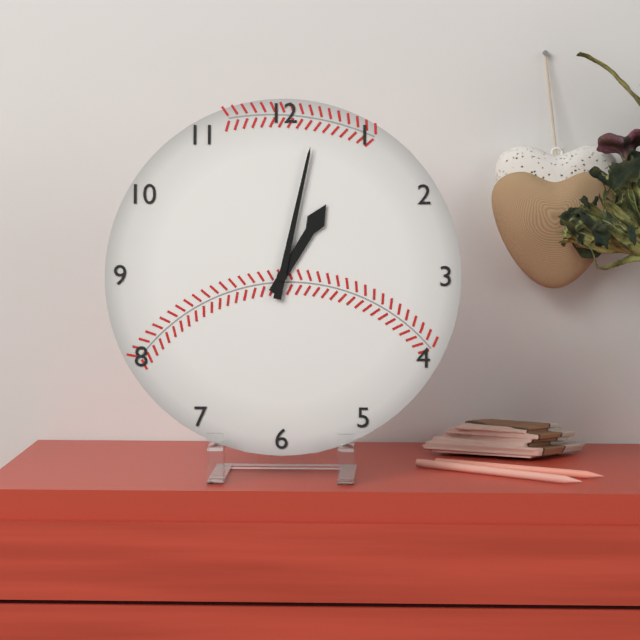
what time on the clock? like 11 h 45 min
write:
1 h 02 min
